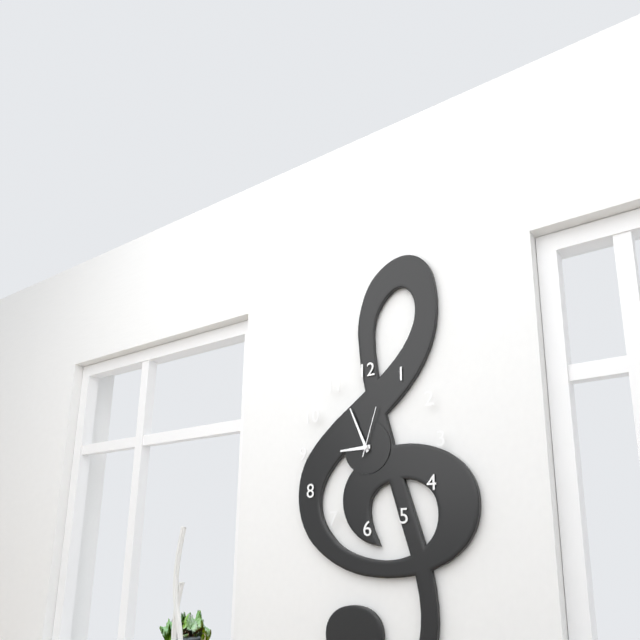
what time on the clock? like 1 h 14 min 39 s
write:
8 h 56 min 03 s
